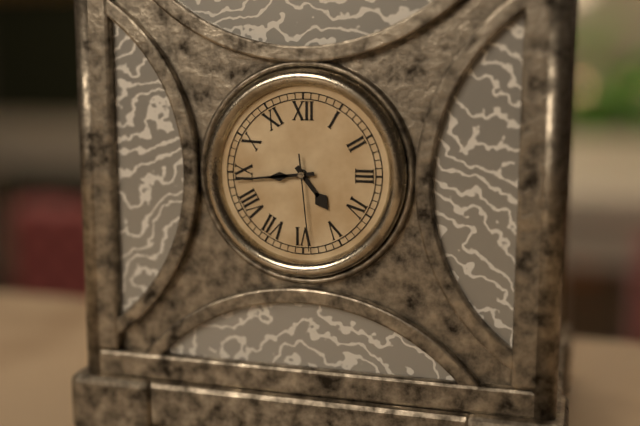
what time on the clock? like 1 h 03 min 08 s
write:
4 h 44 min 29 s
